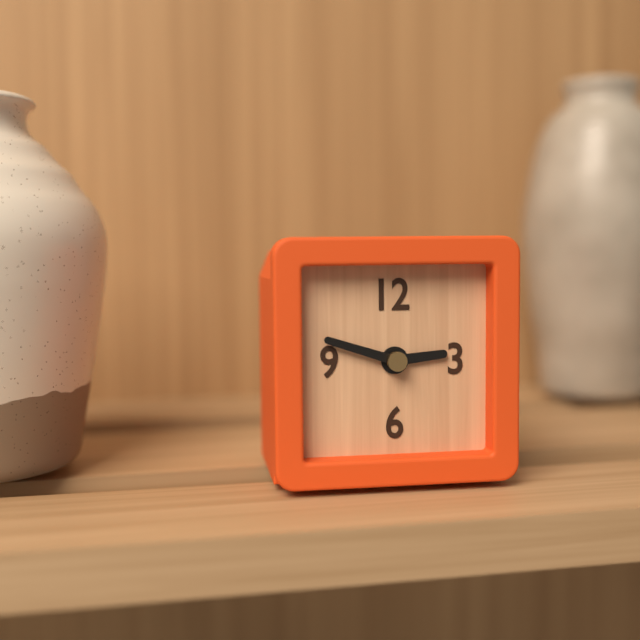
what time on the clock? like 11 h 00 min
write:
2 h 48 min
